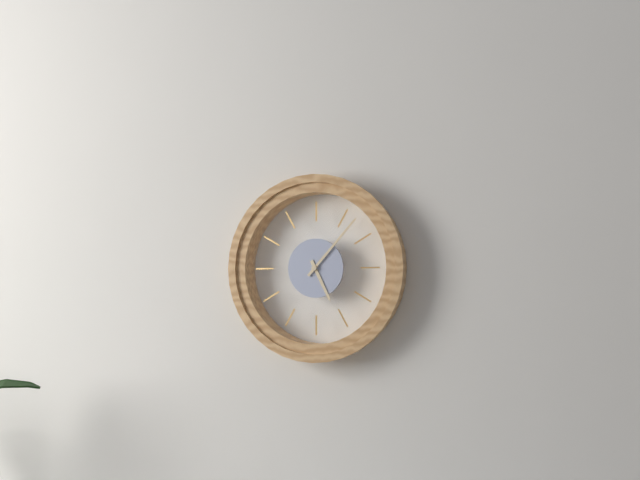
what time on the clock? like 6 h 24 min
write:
5 h 07 min
